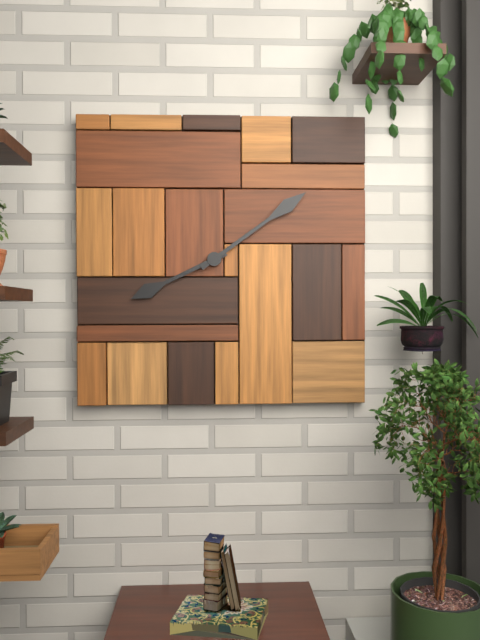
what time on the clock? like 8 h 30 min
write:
8 h 09 min
